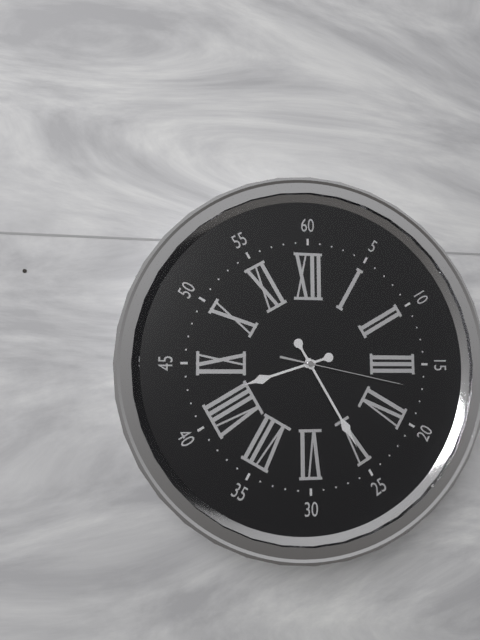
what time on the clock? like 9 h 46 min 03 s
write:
8 h 25 min 17 s
